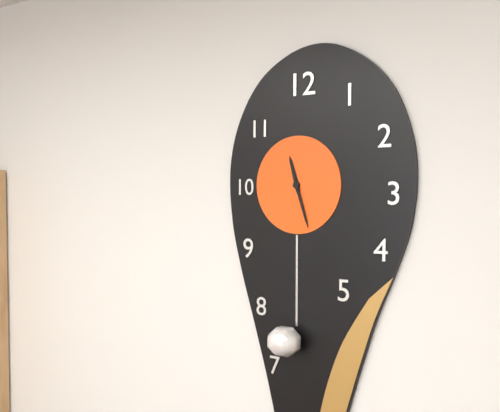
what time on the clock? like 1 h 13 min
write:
11 h 27 min
